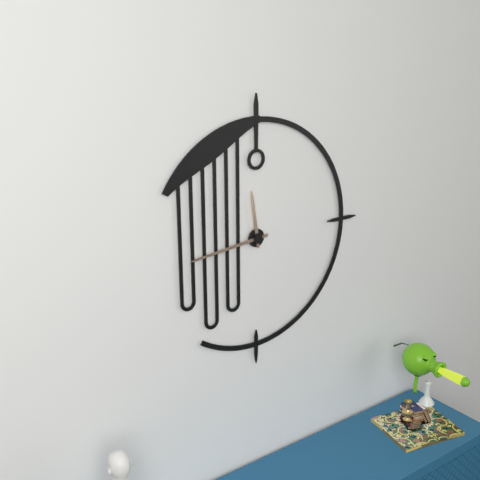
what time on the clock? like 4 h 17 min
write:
11 h 44 min
